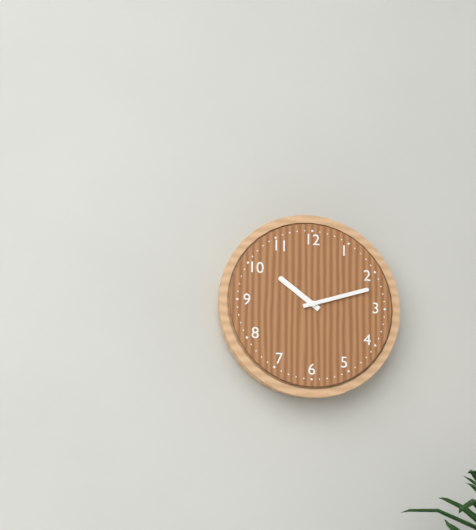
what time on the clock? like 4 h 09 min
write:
10 h 12 min
